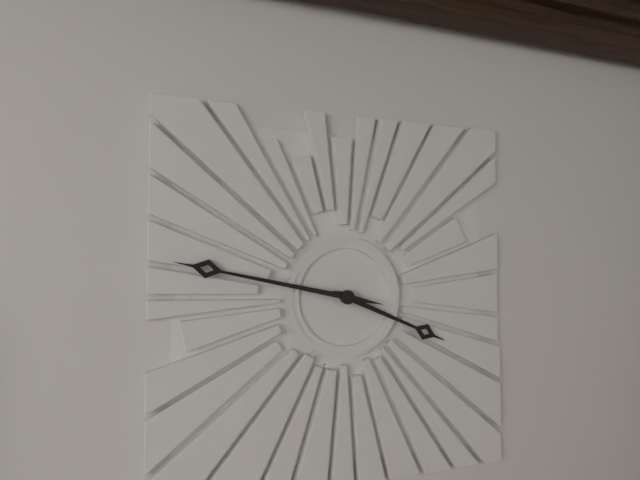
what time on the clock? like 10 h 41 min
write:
3 h 47 min
